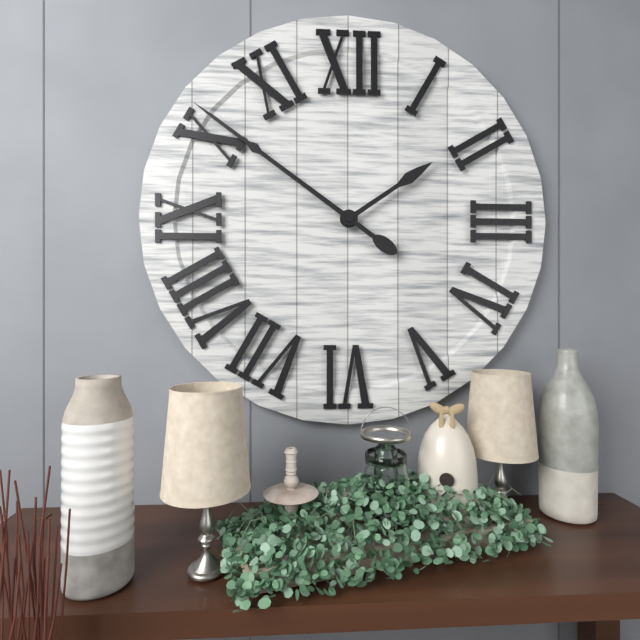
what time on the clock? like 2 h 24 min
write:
1 h 51 min
